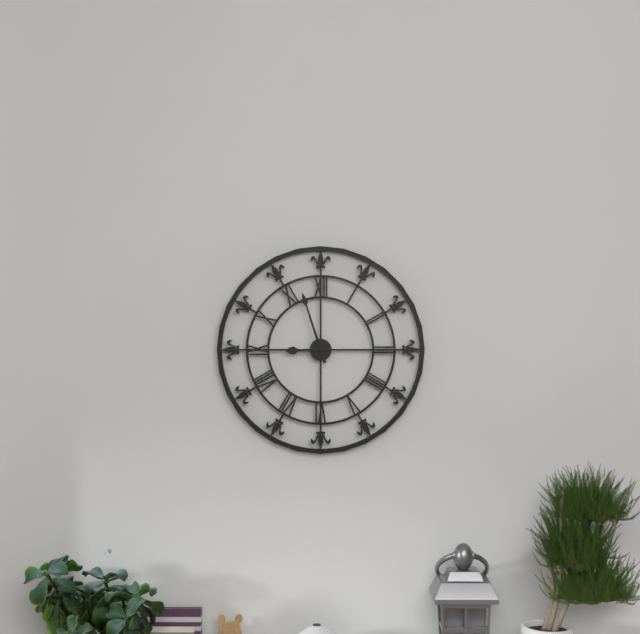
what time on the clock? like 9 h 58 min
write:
8 h 57 min
